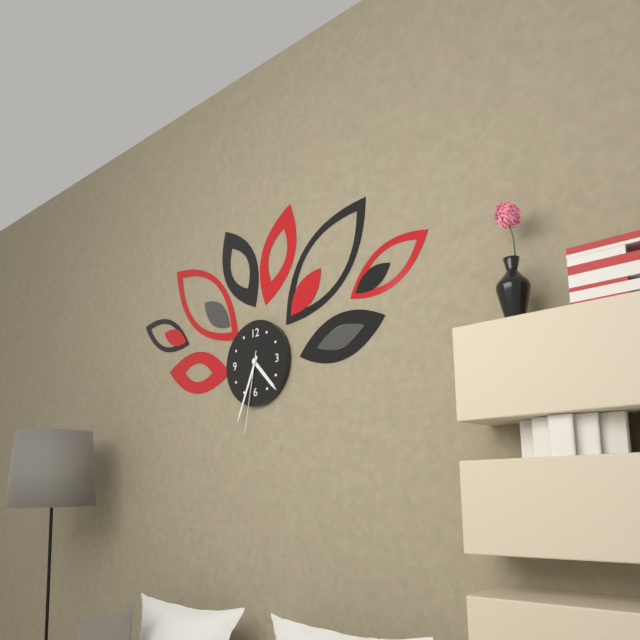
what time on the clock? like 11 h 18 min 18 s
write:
4 h 34 min 32 s
